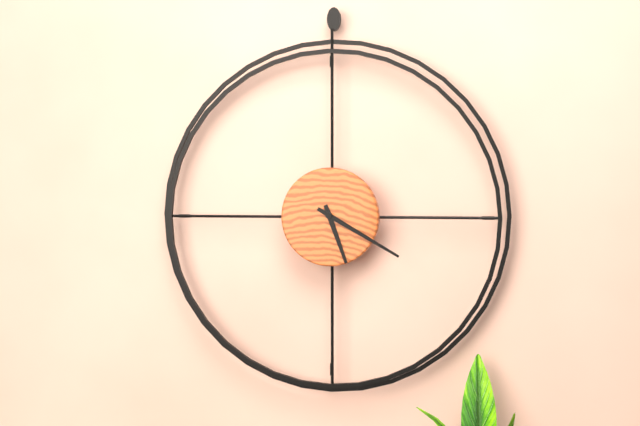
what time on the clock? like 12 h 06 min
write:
5 h 20 min
